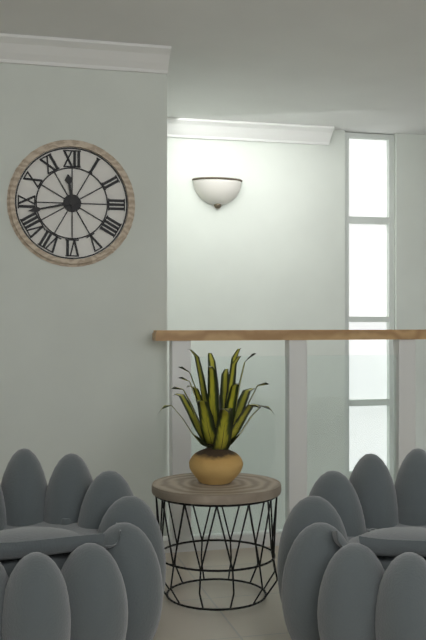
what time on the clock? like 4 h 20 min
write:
11 h 43 min
